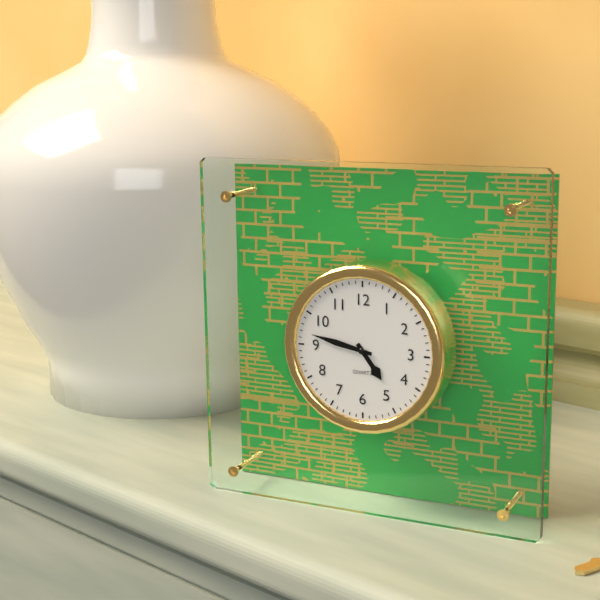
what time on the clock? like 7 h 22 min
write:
4 h 47 min
